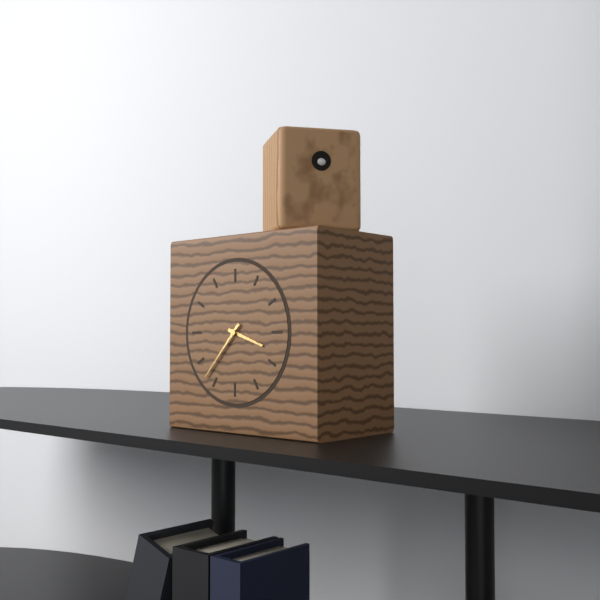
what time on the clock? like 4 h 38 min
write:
3 h 37 min
